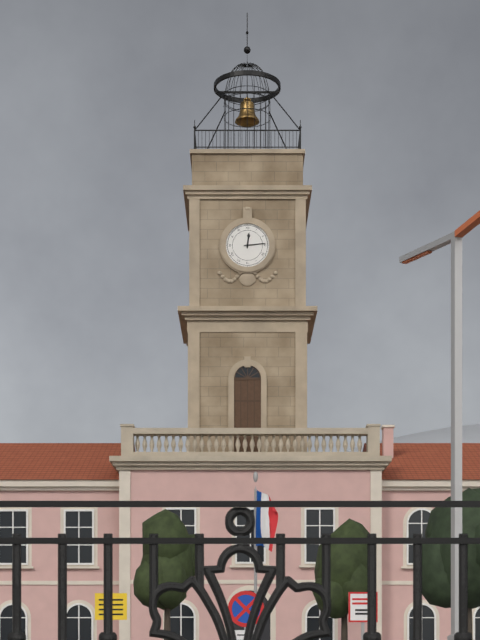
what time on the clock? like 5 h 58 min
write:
12 h 14 min
